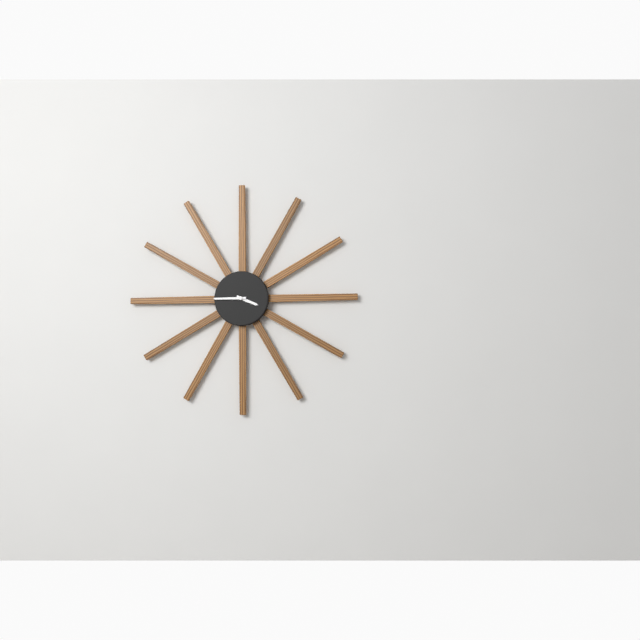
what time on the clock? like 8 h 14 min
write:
3 h 45 min
